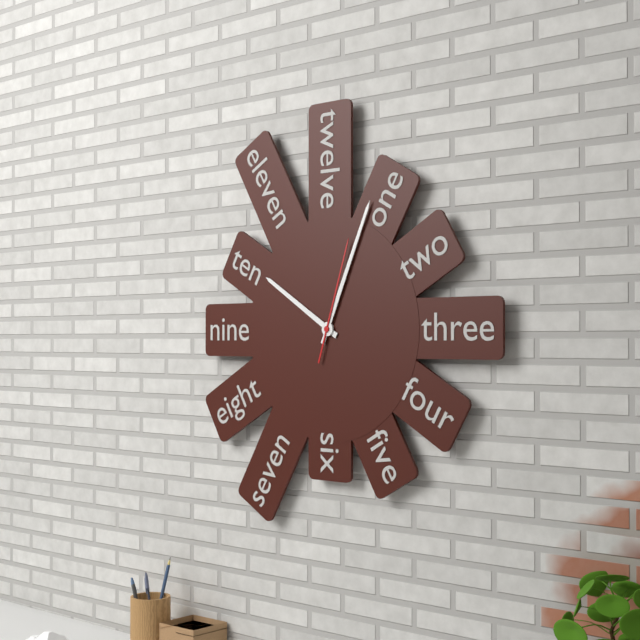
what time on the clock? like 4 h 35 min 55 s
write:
10 h 04 min 03 s
